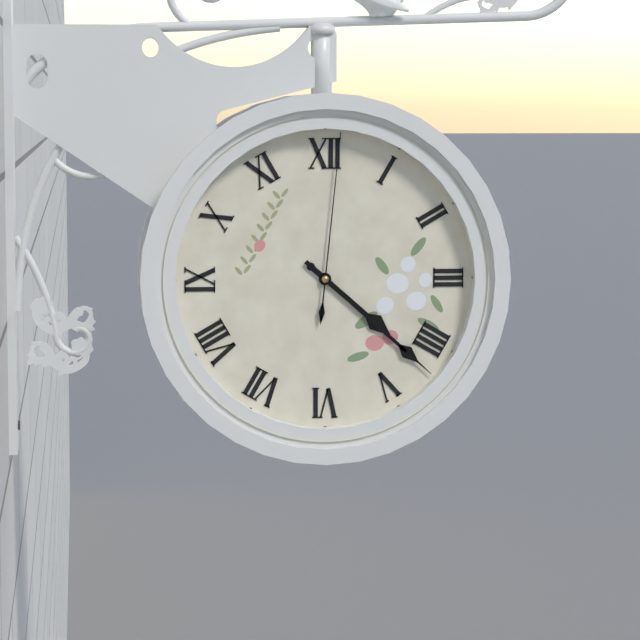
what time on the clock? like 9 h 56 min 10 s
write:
4 h 22 min 01 s
